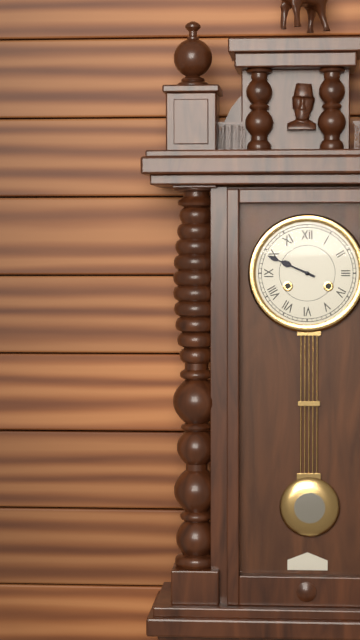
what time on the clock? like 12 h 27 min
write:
9 h 49 min
